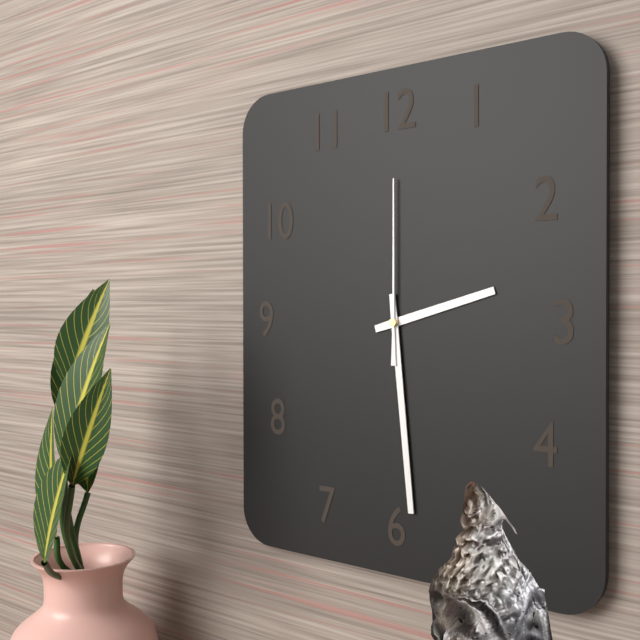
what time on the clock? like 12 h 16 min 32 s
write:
2 h 29 min 00 s
